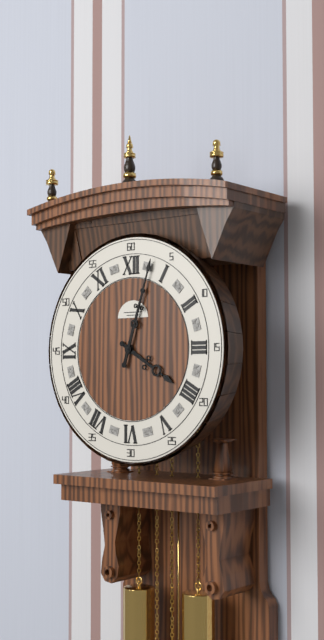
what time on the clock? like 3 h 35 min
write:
4 h 03 min
